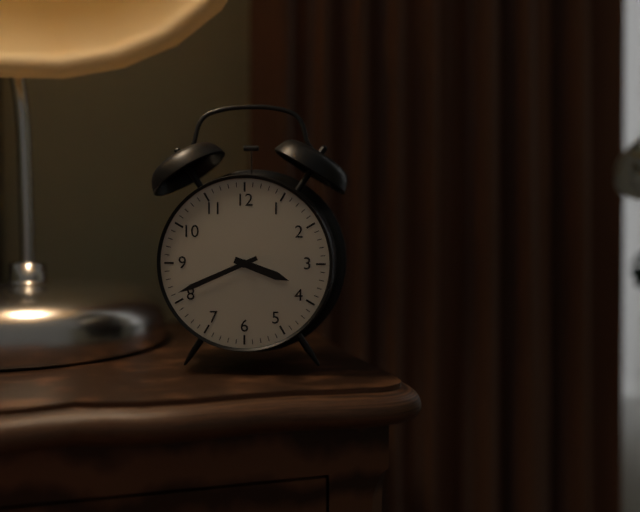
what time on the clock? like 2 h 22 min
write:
3 h 41 min
